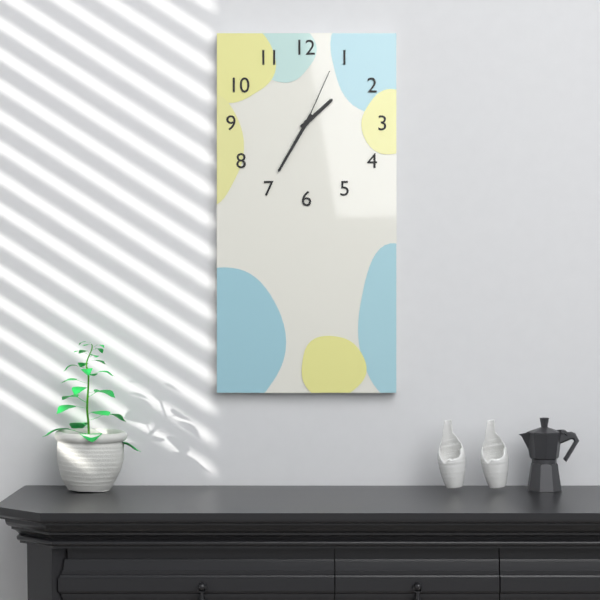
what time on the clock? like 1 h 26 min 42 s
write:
1 h 35 min 04 s
